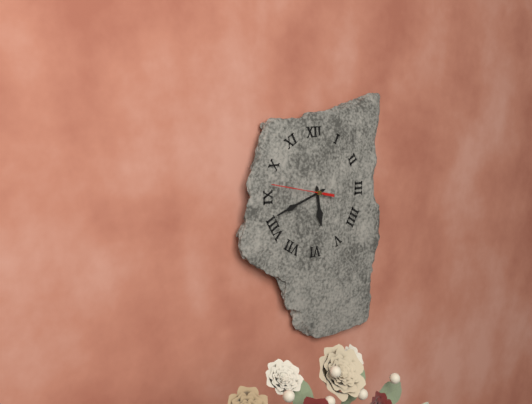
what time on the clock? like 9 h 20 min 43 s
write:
5 h 42 min 47 s
